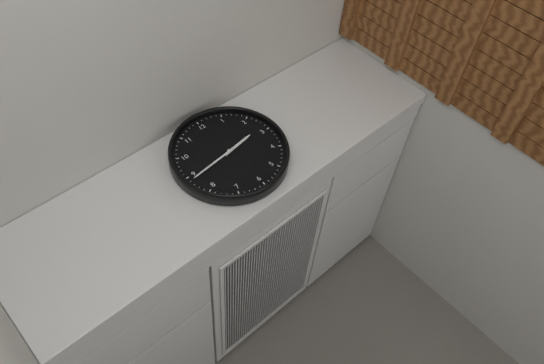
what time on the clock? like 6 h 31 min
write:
2 h 44 min
